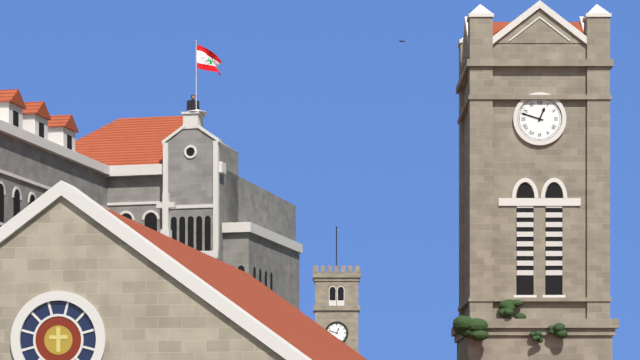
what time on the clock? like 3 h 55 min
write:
12 h 48 min
